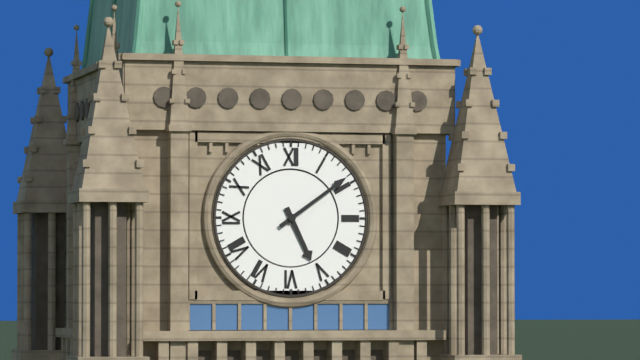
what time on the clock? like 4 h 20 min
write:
5 h 09 min
